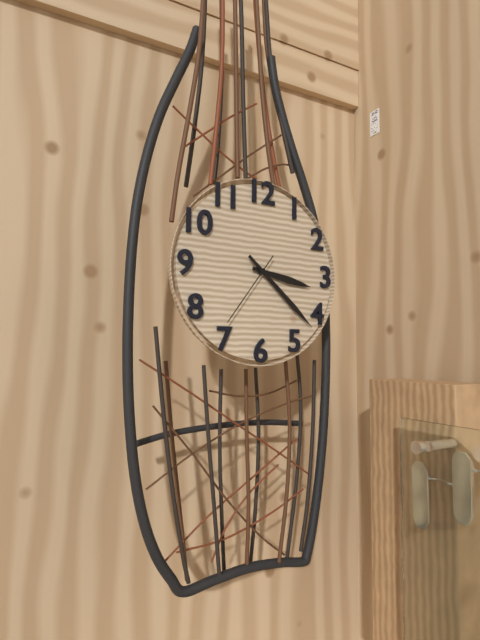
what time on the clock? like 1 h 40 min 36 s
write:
3 h 22 min 36 s
